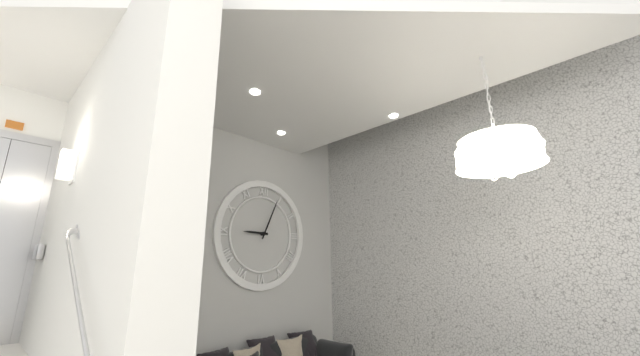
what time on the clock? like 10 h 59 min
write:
9 h 04 min
